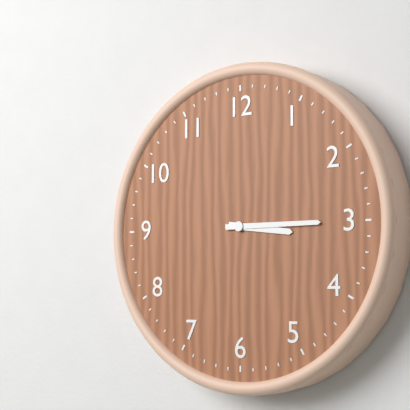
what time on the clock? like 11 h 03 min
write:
3 h 15 min
